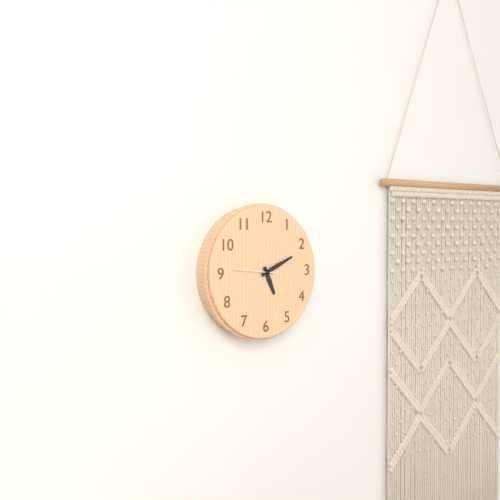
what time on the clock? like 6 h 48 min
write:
5 h 11 min
